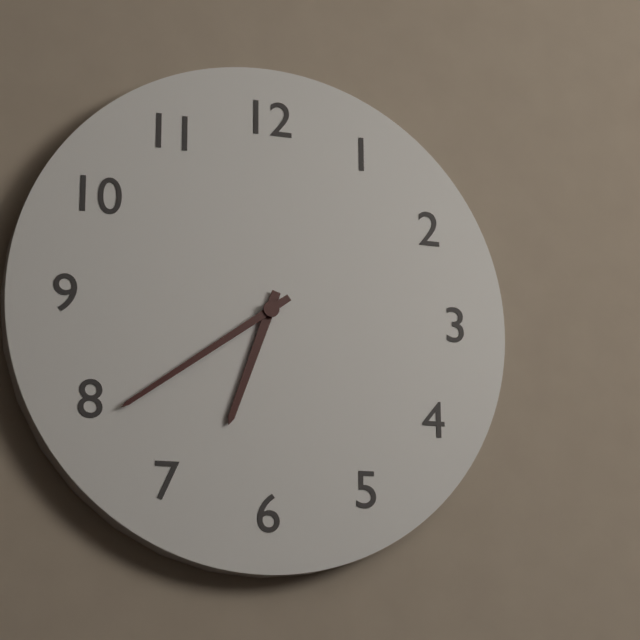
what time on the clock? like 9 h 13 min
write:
6 h 39 min
